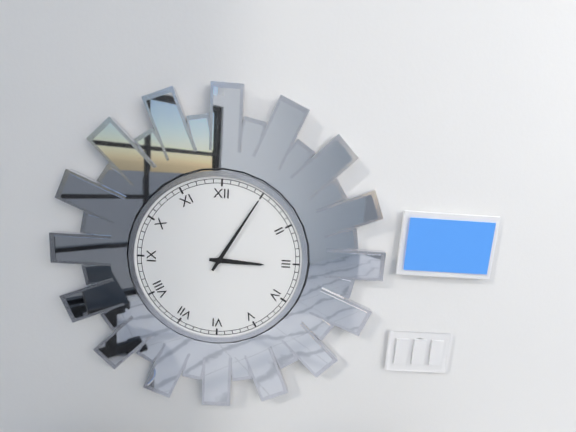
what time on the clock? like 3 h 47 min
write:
3 h 05 min
